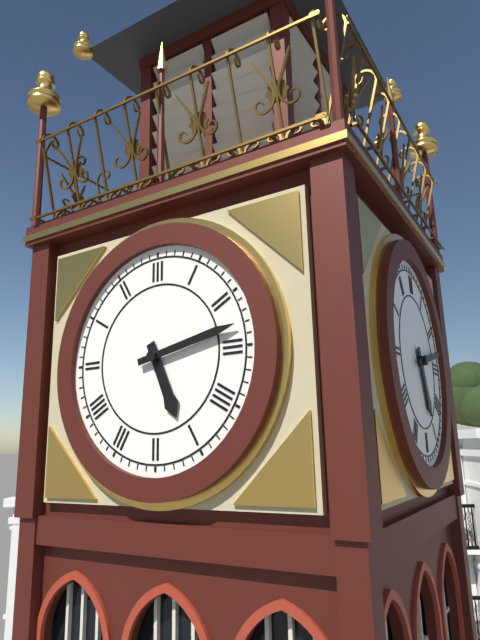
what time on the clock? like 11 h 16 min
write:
5 h 13 min
